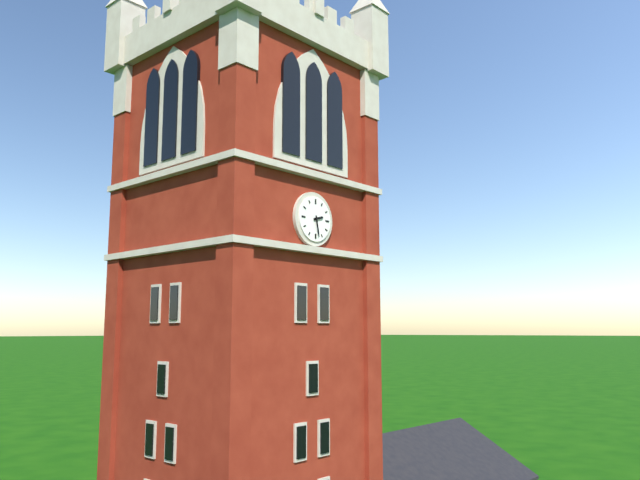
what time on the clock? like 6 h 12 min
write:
2 h 28 min
